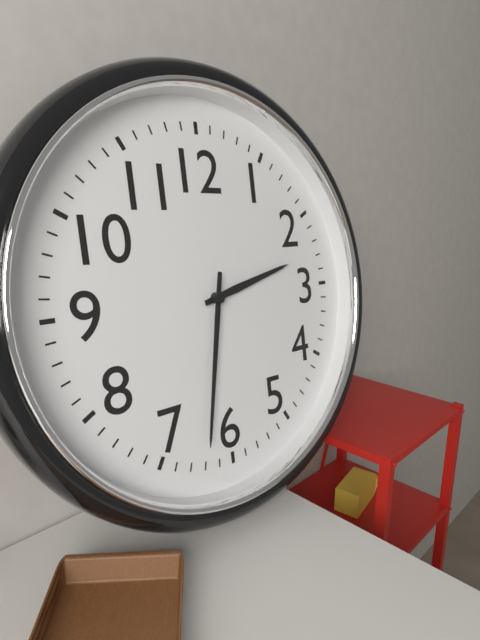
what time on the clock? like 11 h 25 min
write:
2 h 32 min
